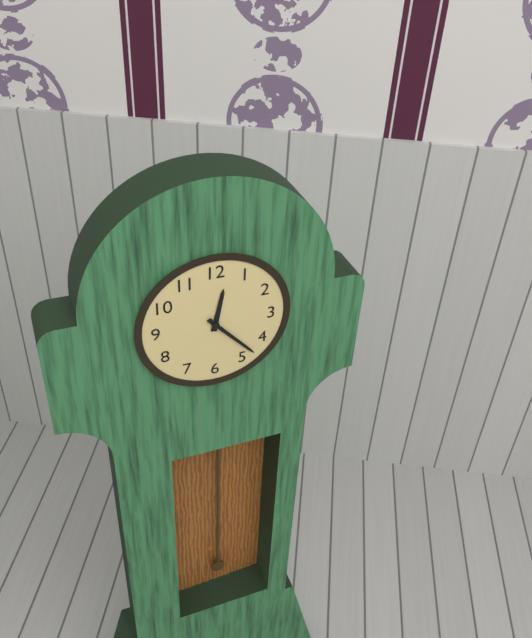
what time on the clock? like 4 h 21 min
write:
12 h 23 min
